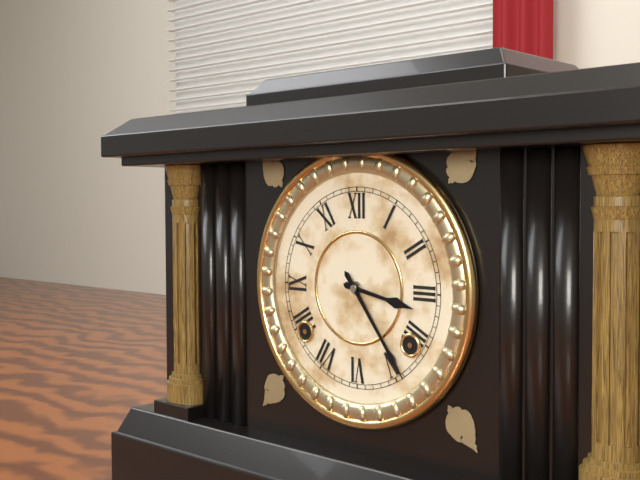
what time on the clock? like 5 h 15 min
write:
3 h 24 min
